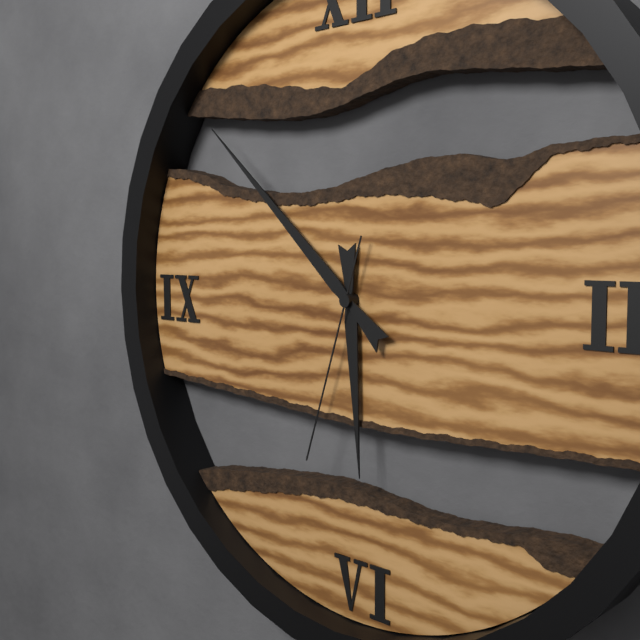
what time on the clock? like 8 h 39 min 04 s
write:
5 h 52 min 33 s
